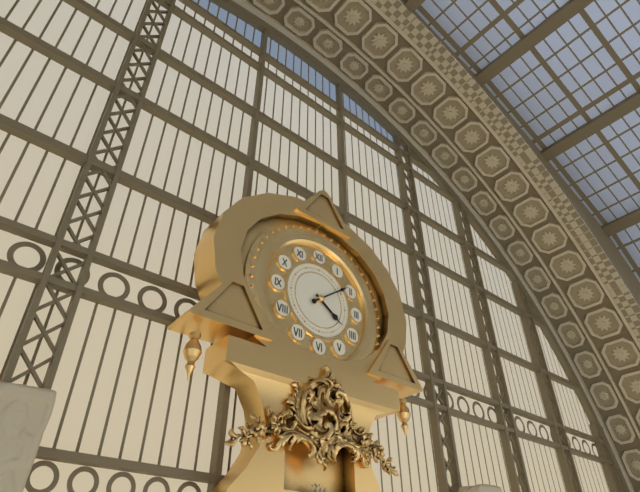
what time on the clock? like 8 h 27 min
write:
4 h 09 min
